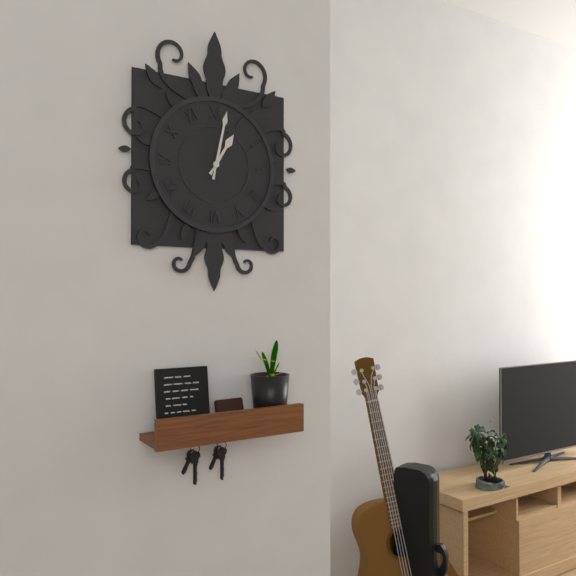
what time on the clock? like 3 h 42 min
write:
1 h 02 min
